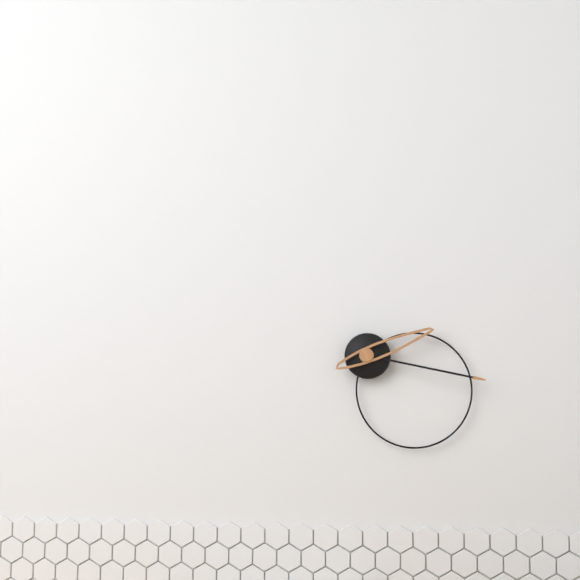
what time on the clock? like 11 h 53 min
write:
2 h 17 min
